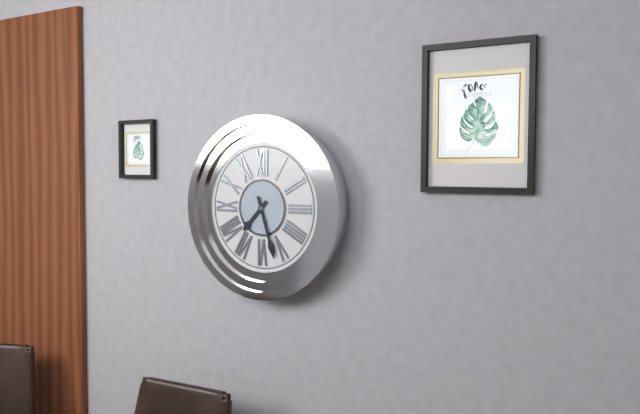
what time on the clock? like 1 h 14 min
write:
7 h 27 min
